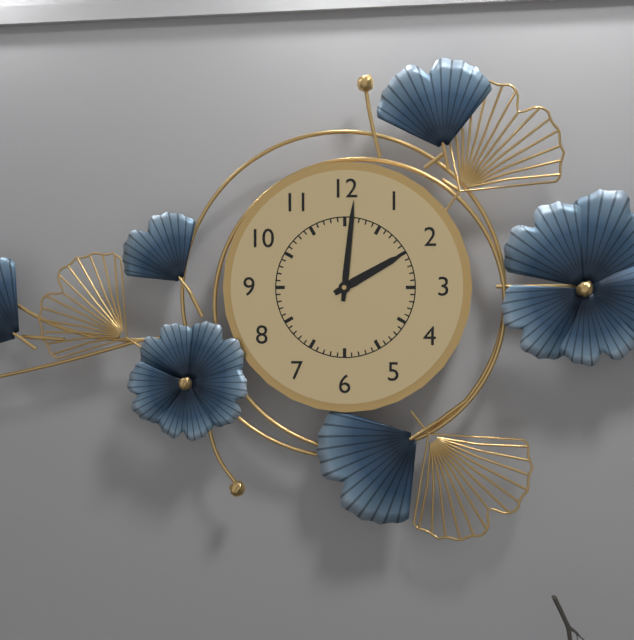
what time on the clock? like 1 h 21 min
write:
2 h 01 min
